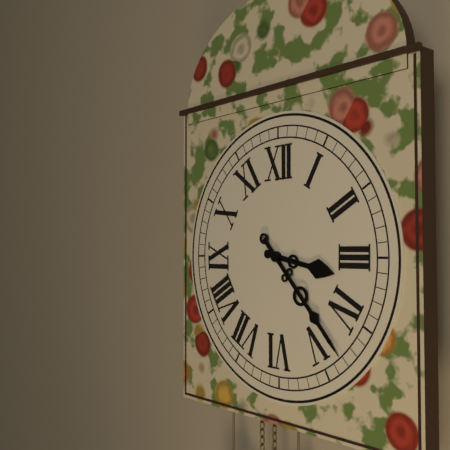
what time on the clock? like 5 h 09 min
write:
3 h 23 min
